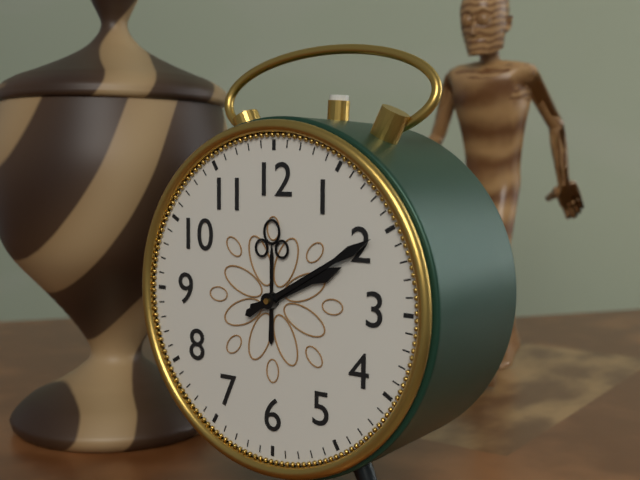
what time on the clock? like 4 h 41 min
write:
2 h 10 min
